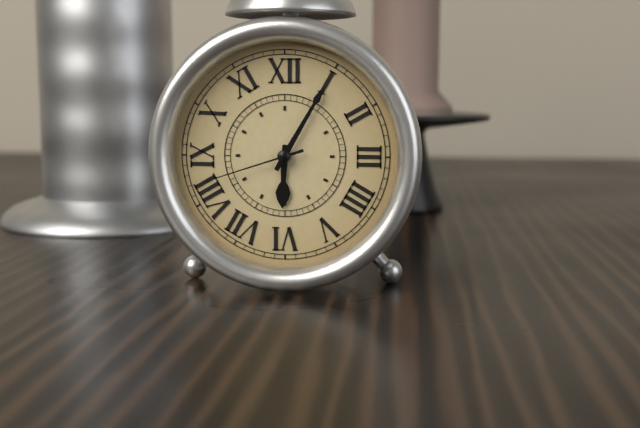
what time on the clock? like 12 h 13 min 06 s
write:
6 h 05 min 42 s
